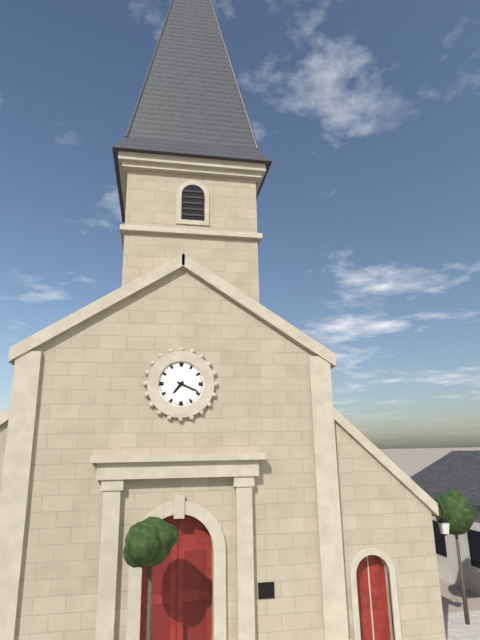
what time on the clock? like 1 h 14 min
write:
7 h 19 min
